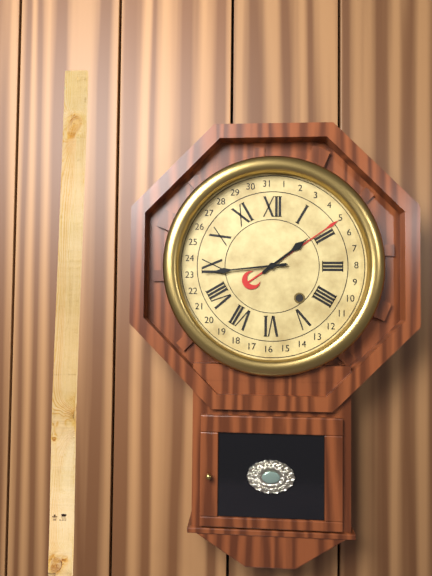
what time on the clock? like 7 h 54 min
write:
1 h 44 min
